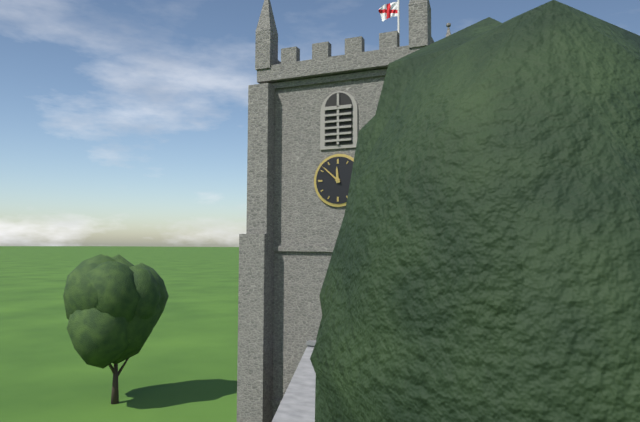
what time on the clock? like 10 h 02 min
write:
11 h 52 min
